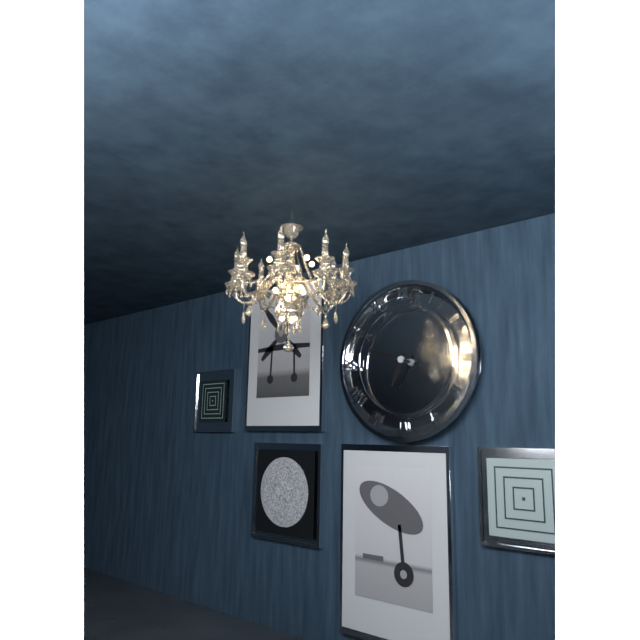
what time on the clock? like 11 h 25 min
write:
6 h 48 min
